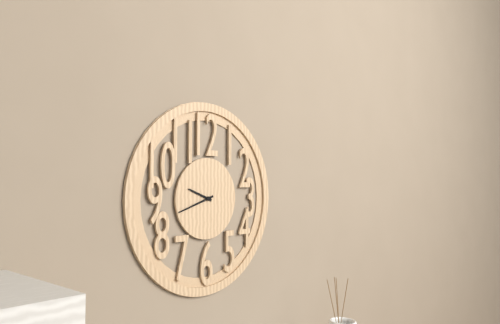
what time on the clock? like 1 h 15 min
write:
9 h 42 min
